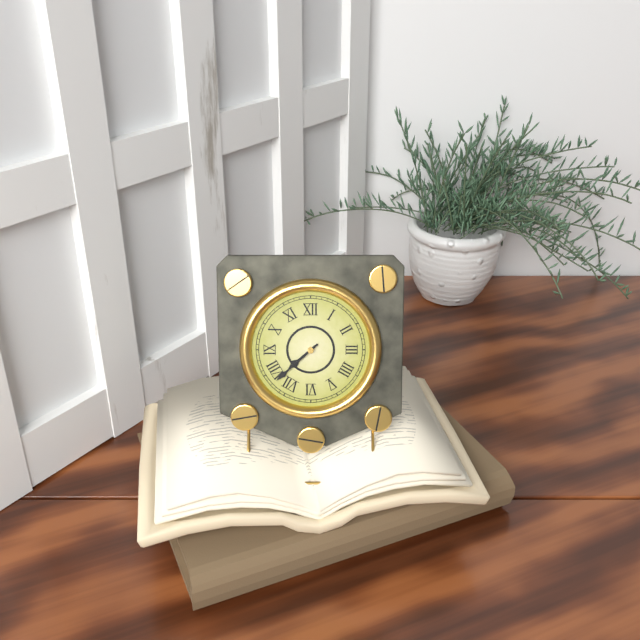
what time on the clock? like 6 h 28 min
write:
7 h 38 min
